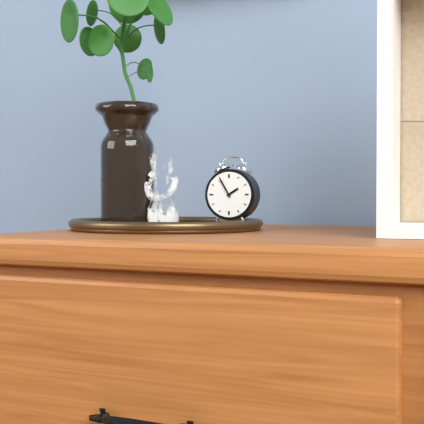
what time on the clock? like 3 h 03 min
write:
1 h 55 min
